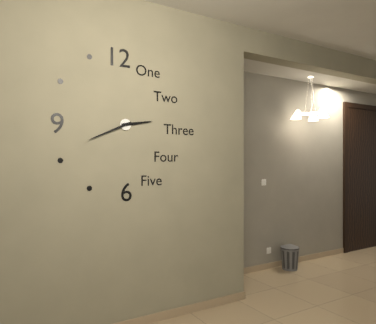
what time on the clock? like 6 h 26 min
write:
2 h 41 min
